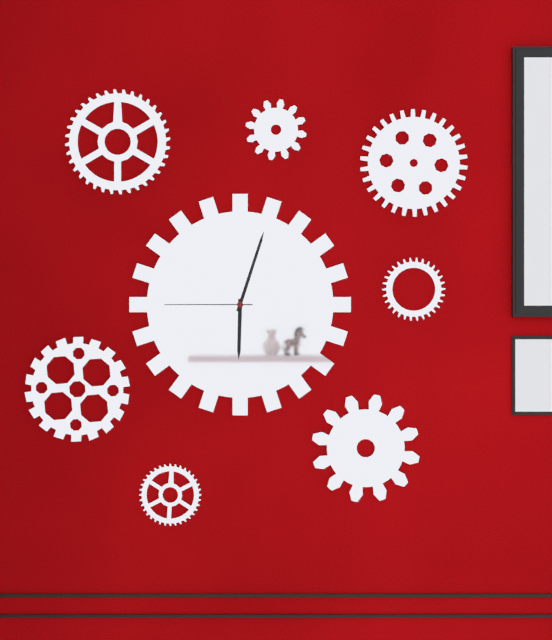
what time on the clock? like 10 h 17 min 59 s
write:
6 h 03 min 45 s
